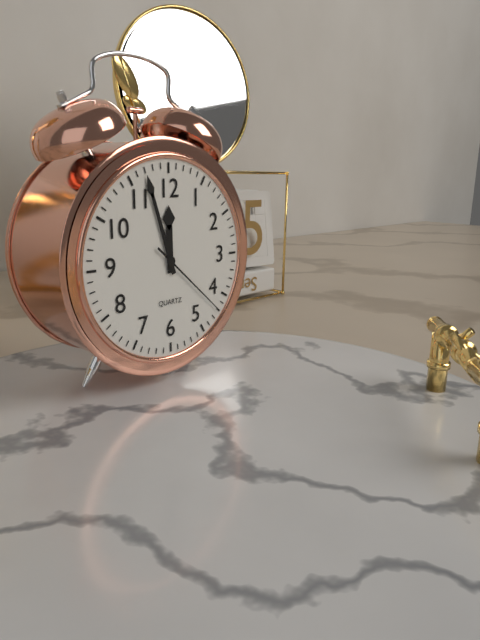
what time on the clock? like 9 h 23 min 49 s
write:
11 h 57 min 22 s
